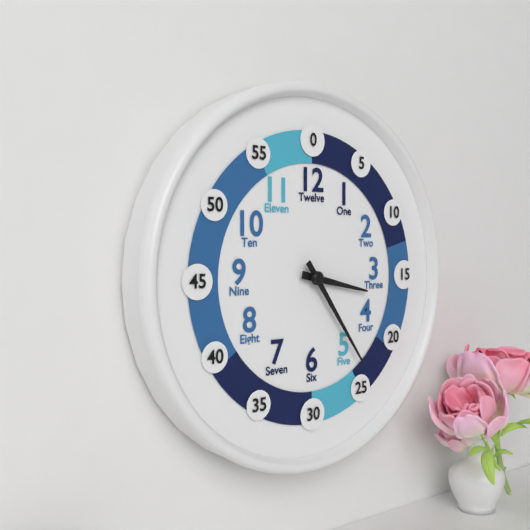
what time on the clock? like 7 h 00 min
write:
3 h 24 min
